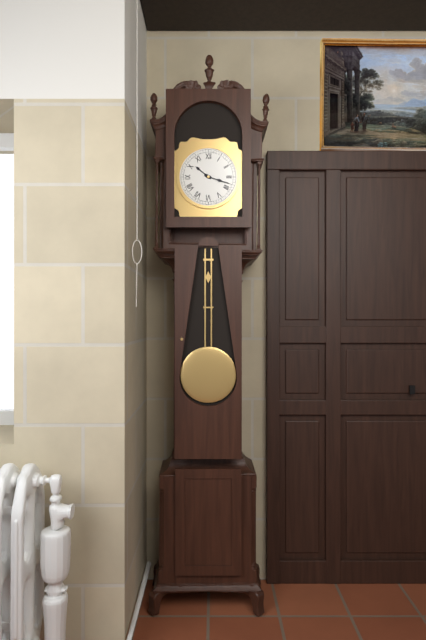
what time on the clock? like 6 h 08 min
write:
10 h 18 min
